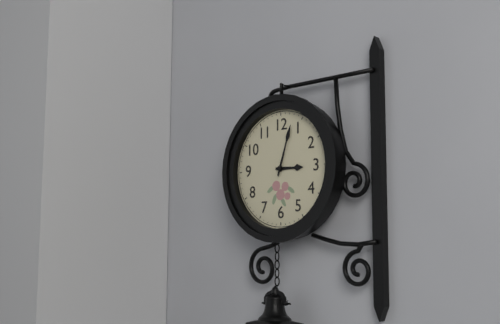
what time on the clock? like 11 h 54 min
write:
3 h 03 min
